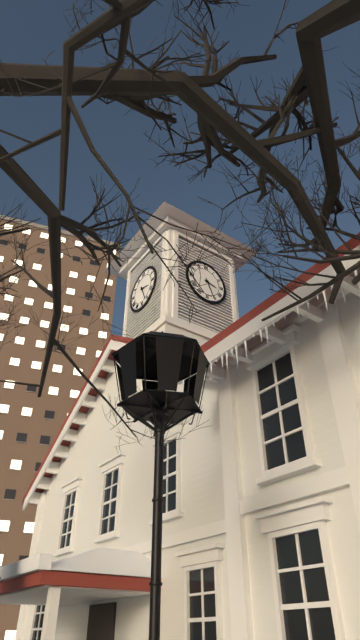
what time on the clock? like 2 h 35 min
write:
3 h 26 min
